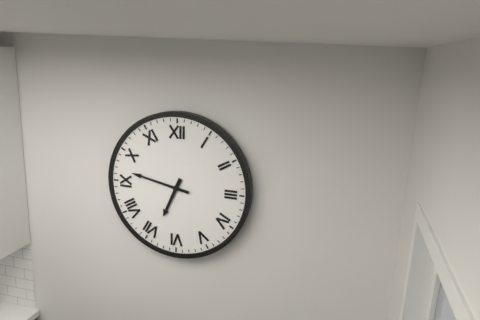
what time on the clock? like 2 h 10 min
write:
6 h 47 min
